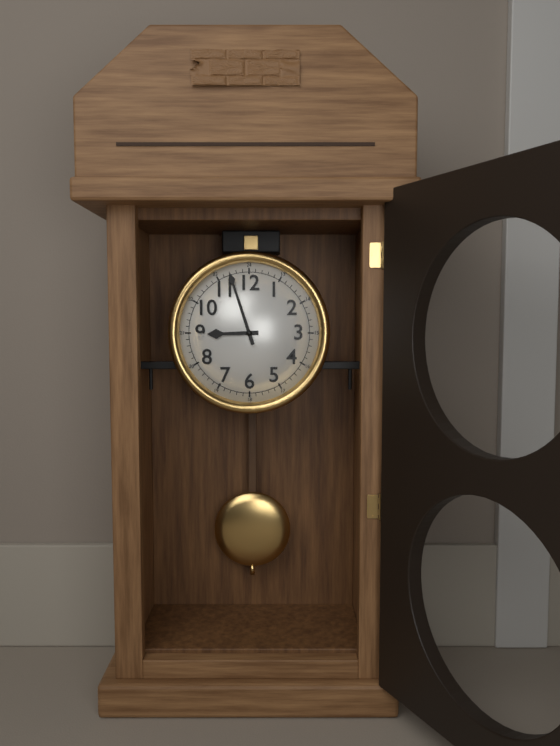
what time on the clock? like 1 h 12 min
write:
8 h 57 min
